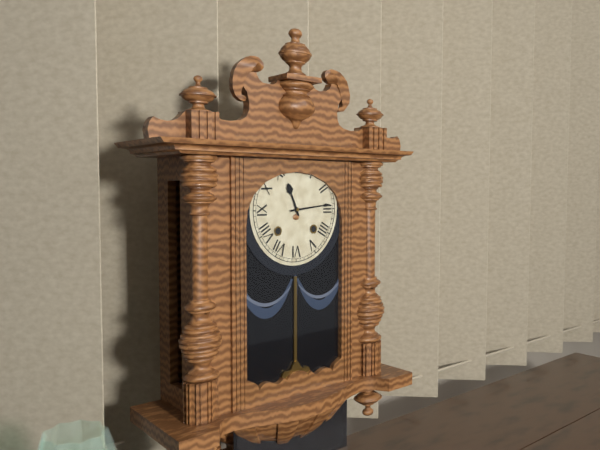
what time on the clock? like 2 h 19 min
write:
11 h 14 min
